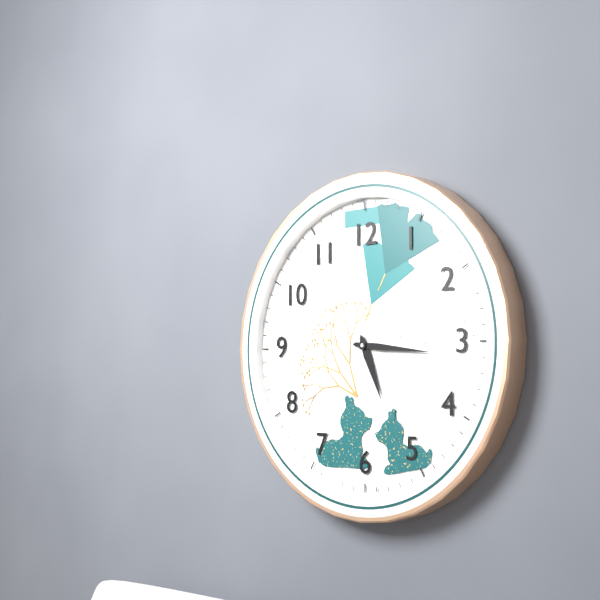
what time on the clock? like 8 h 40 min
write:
5 h 16 min
